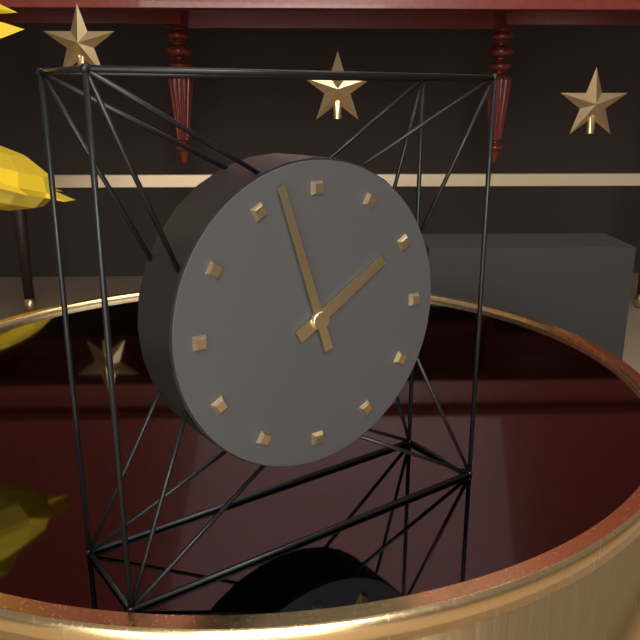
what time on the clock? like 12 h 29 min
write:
1 h 57 min
